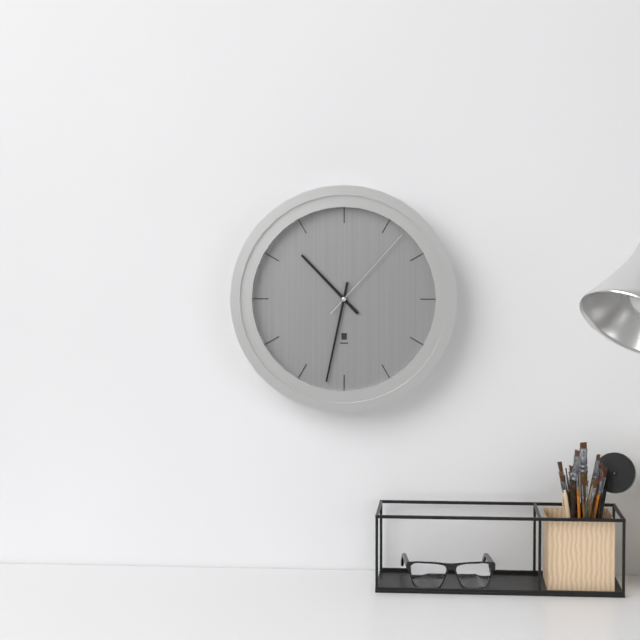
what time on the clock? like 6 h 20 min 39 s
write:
10 h 32 min 07 s
